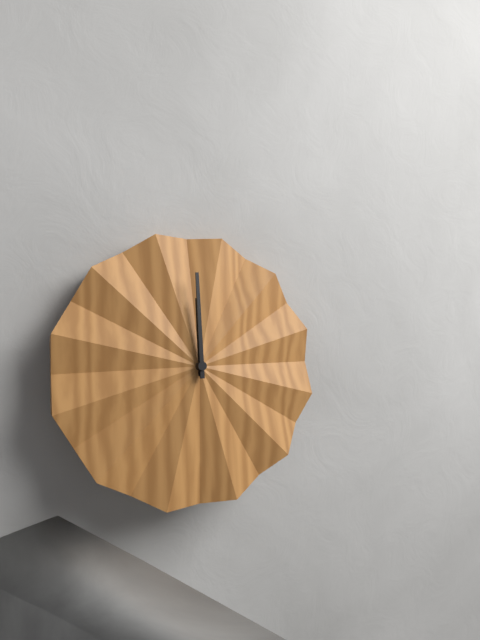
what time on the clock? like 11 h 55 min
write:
12 h 00 min
